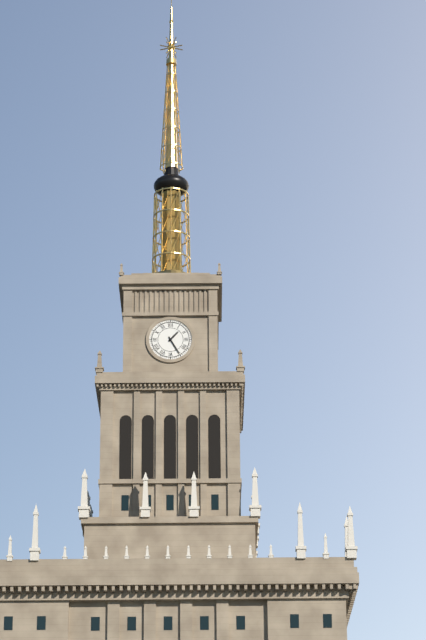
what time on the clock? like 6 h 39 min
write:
1 h 25 min
